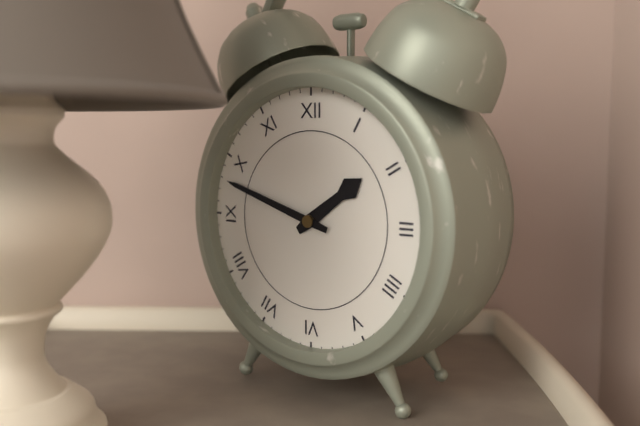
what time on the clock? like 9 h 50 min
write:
1 h 48 min
